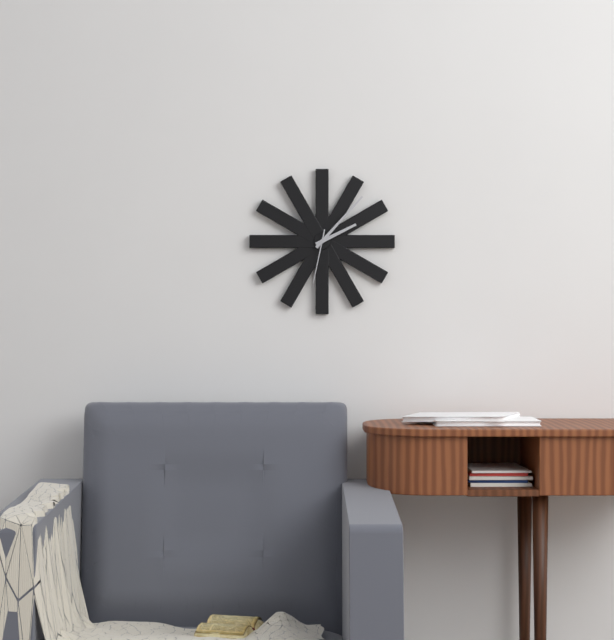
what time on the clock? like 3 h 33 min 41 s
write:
2 h 07 min 32 s
